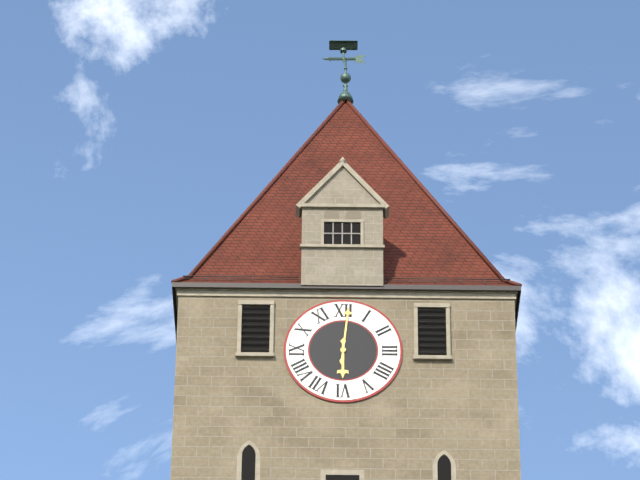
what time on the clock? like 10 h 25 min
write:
6 h 01 min
